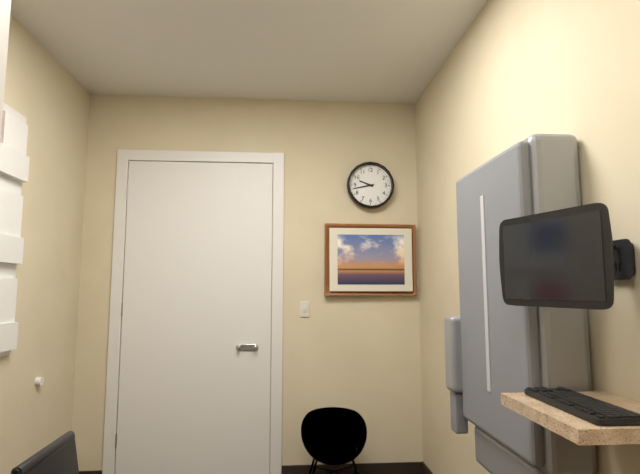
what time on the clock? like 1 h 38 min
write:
9 h 43 min
